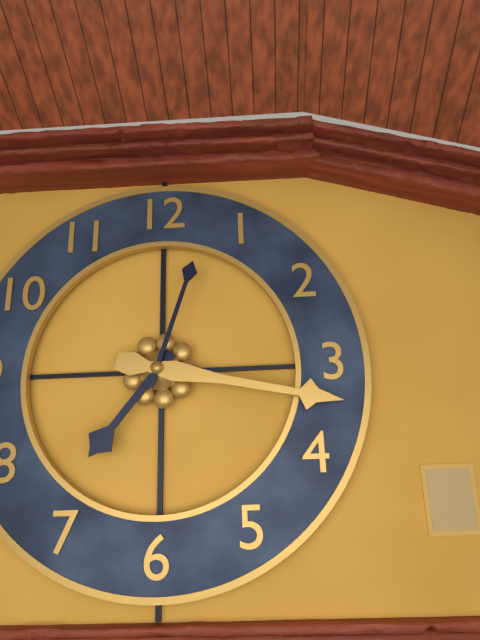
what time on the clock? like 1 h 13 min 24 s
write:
7 h 17 min 03 s
